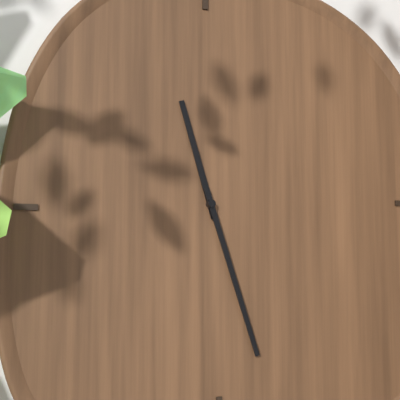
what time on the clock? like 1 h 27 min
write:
11 h 27 min
